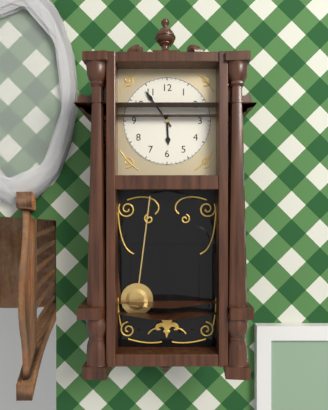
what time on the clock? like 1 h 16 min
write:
5 h 54 min
